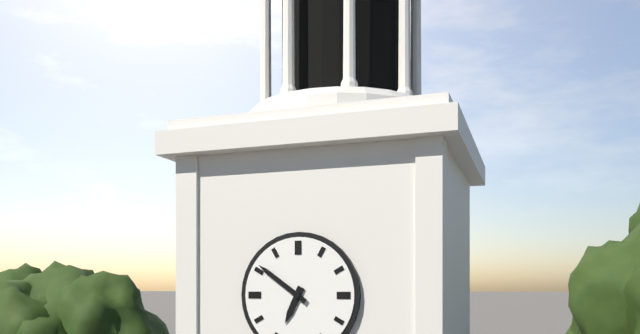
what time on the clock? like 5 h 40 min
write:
6 h 51 min
